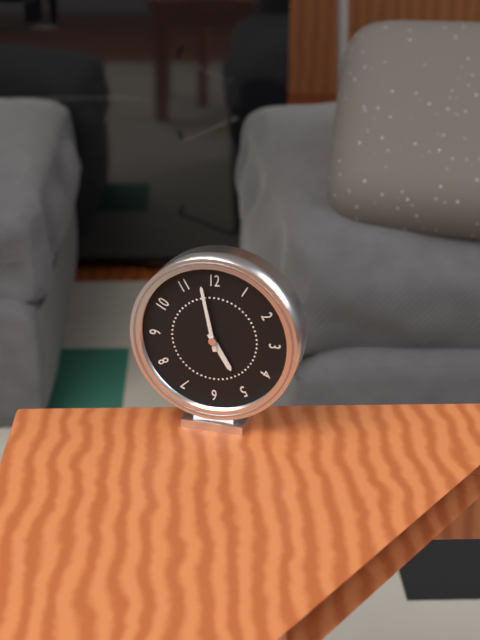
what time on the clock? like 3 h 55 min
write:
4 h 58 min
